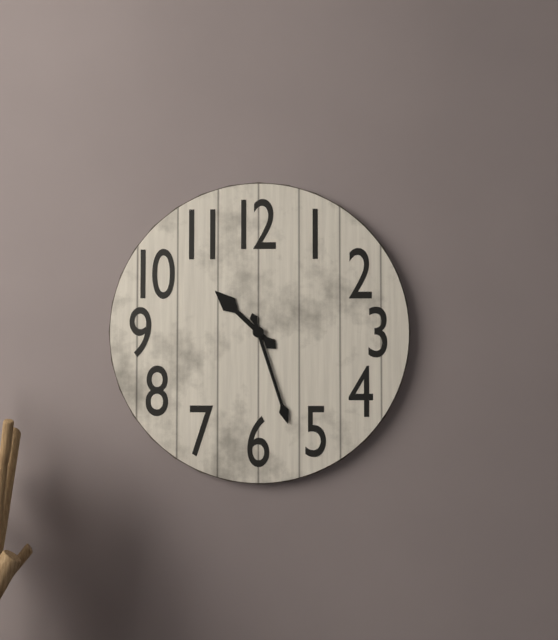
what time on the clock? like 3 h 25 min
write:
10 h 27 min
